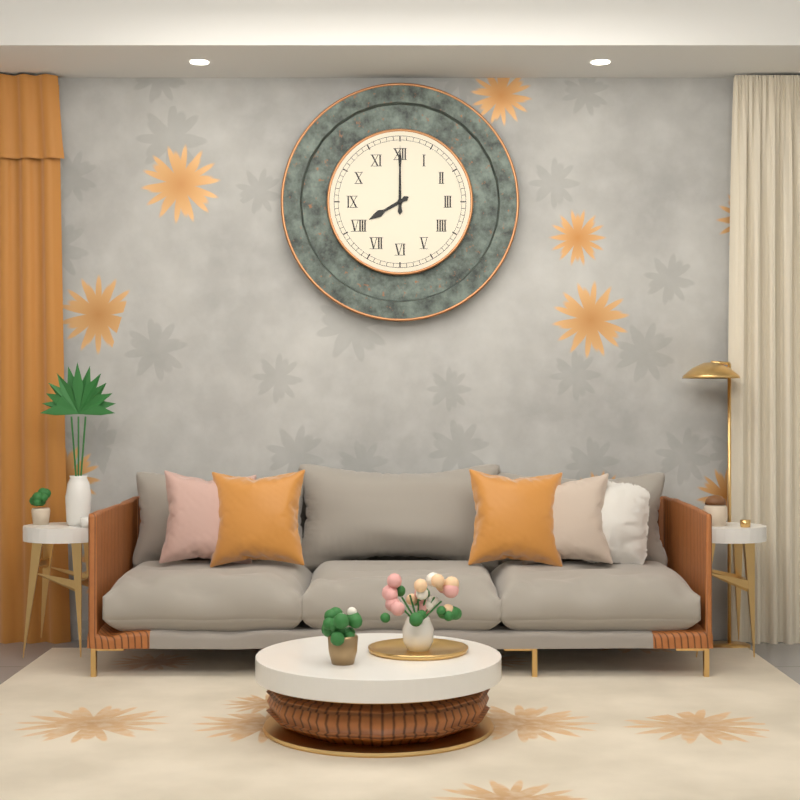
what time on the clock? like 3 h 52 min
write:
8 h 00 min
